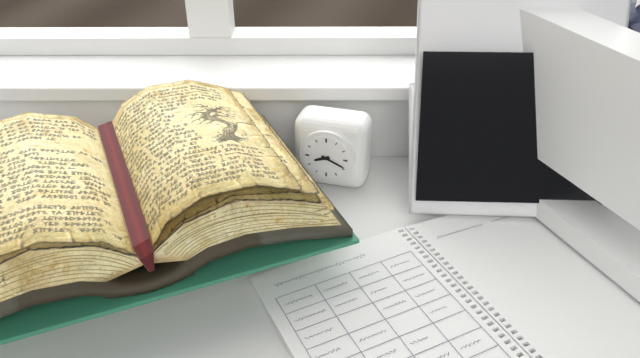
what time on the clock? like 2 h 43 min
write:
8 h 19 min
